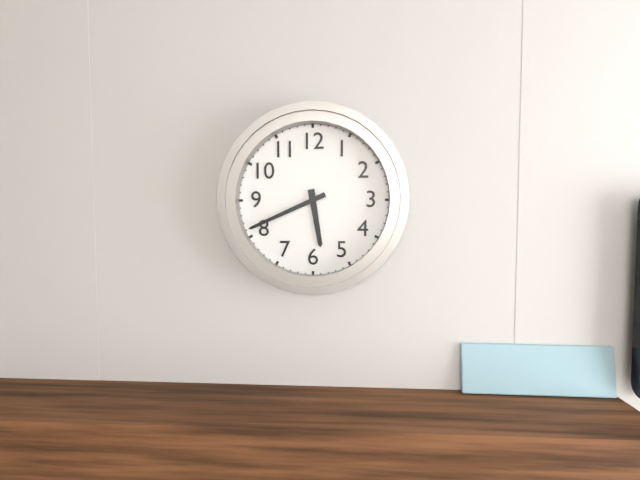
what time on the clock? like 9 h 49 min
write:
5 h 41 min
